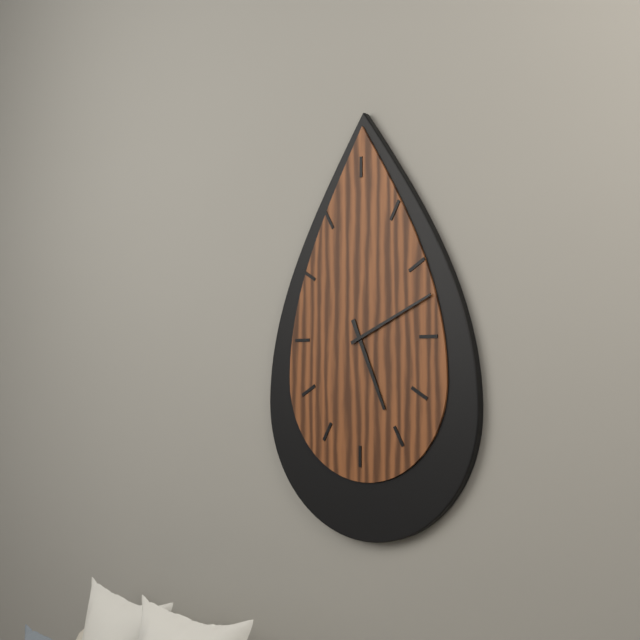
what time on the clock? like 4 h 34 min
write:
5 h 11 min
